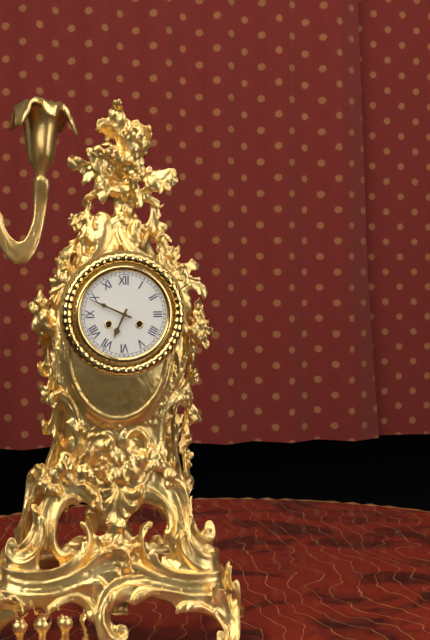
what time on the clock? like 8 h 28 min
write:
6 h 49 min
